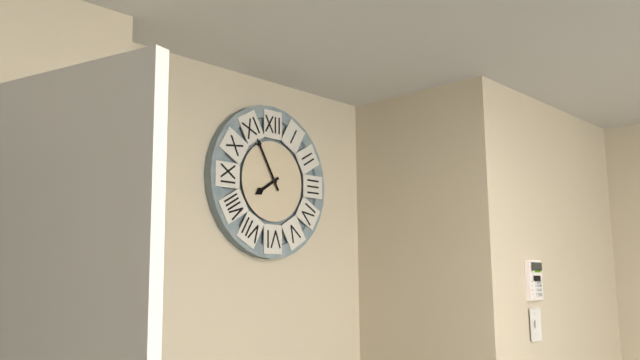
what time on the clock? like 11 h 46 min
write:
7 h 55 min
